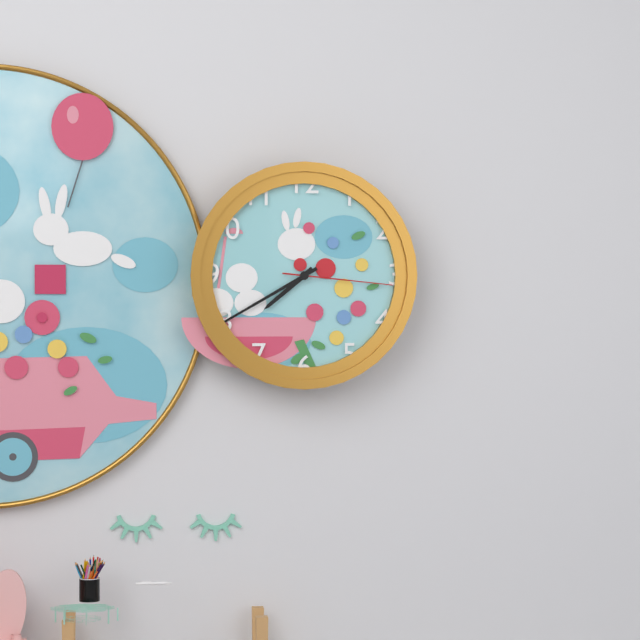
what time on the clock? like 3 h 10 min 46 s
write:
7 h 40 min 16 s
